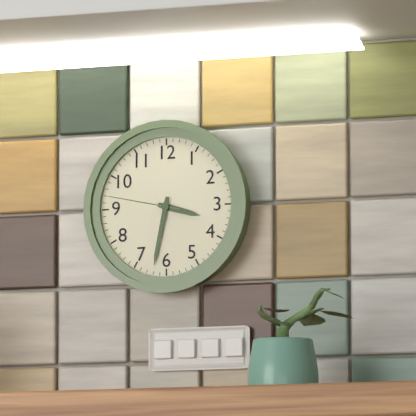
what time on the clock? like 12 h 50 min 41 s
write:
3 h 32 min 47 s
